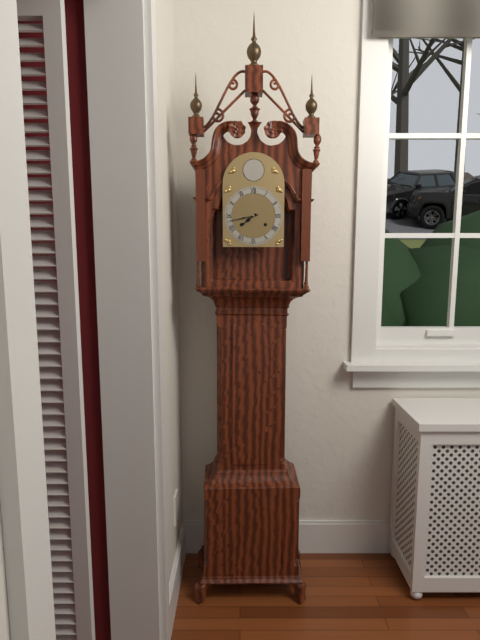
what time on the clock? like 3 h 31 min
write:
7 h 43 min
